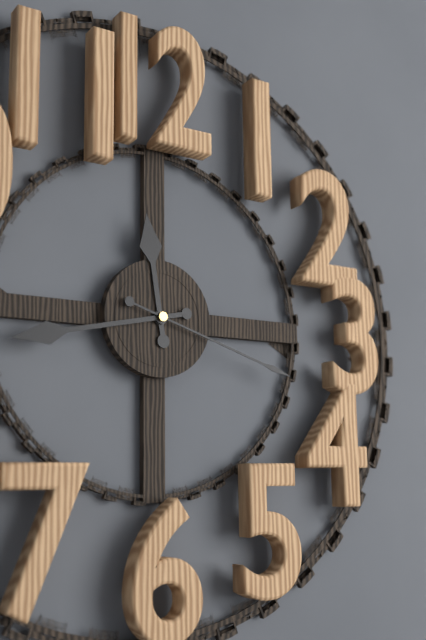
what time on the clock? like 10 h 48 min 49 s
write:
11 h 43 min 18 s
